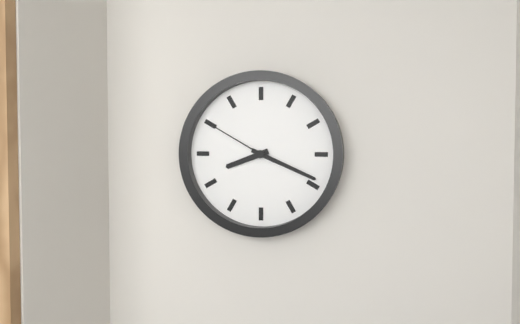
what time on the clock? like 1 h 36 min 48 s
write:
8 h 19 min 50 s
